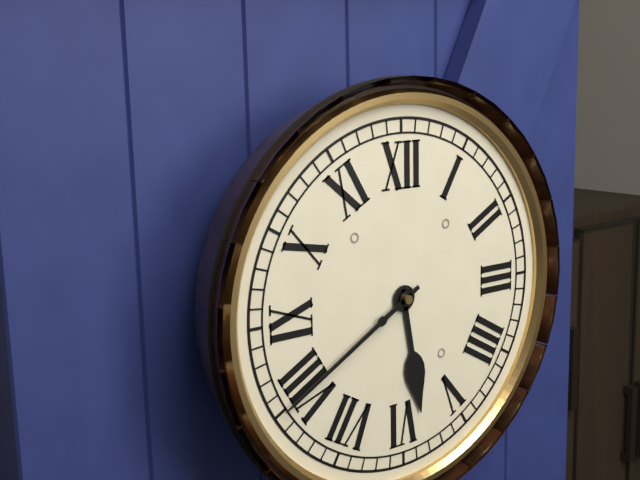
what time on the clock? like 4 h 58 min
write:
5 h 40 min
